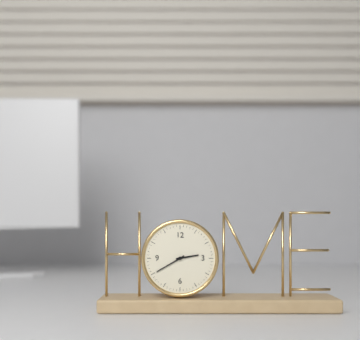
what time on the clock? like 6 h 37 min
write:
2 h 40 min
